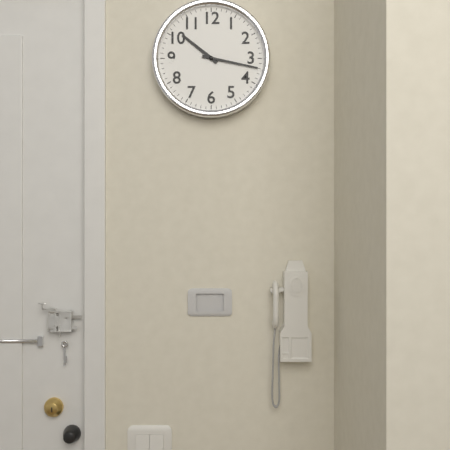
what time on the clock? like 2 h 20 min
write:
10 h 17 min
